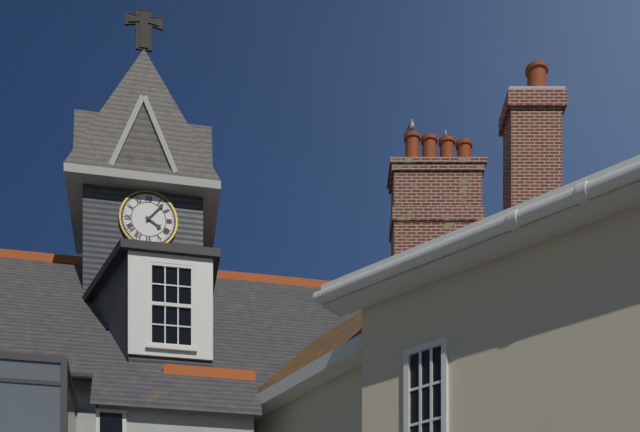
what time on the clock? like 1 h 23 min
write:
4 h 07 min
